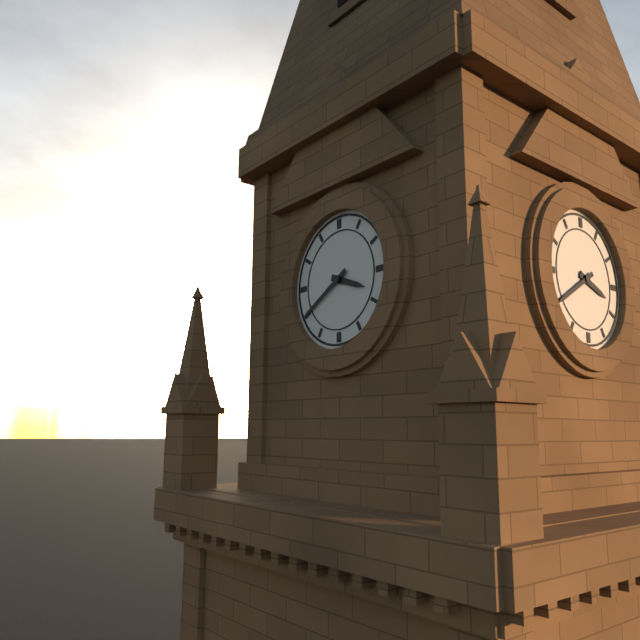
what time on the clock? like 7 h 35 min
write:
3 h 40 min
